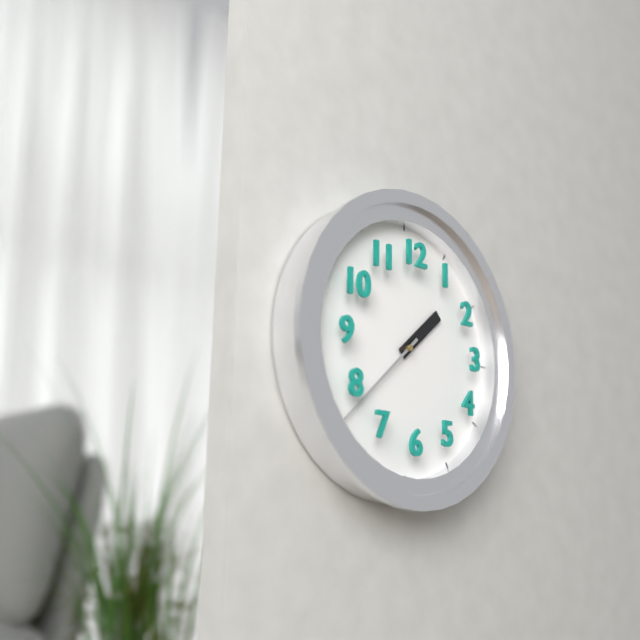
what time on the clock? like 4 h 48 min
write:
1 h 38 min
